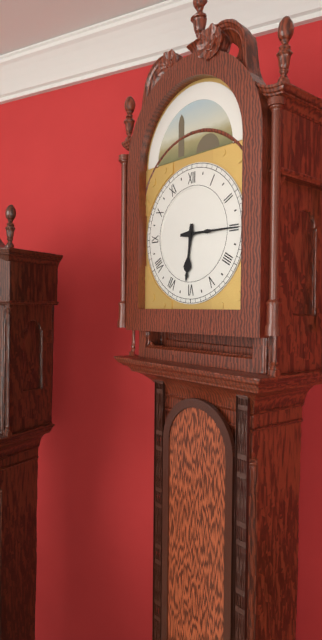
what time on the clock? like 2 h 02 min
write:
6 h 15 min
